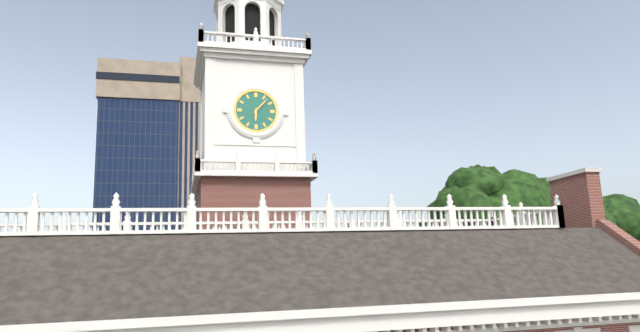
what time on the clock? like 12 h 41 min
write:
6 h 07 min
